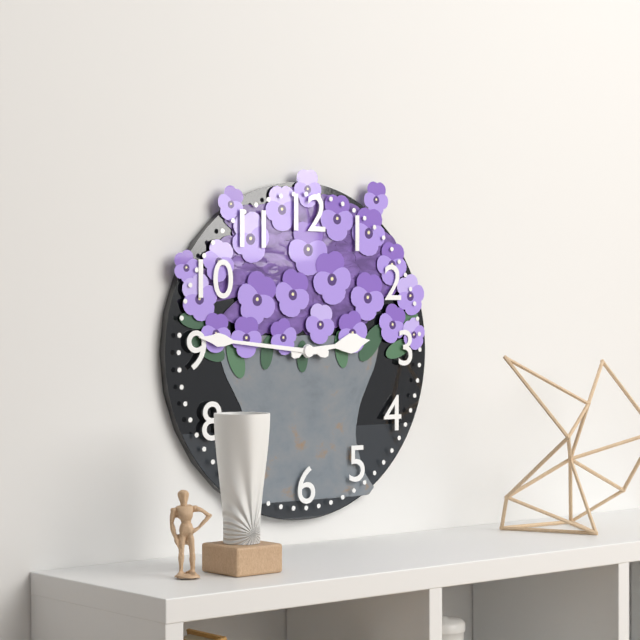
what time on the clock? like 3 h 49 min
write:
2 h 46 min
